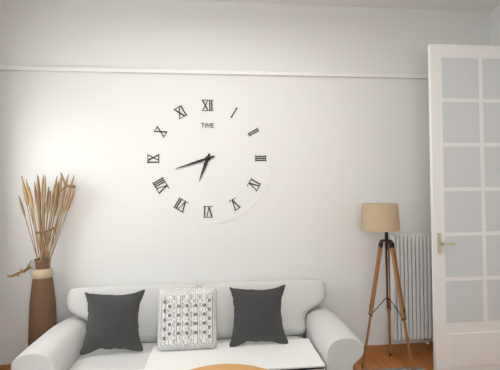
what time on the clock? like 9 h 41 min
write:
6 h 42 min
